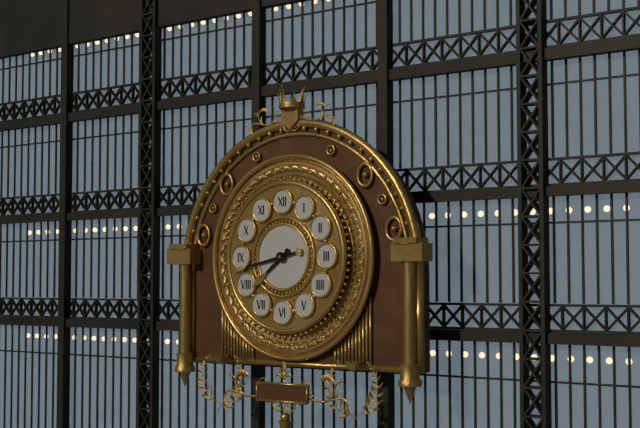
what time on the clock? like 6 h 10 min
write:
7 h 43 min
